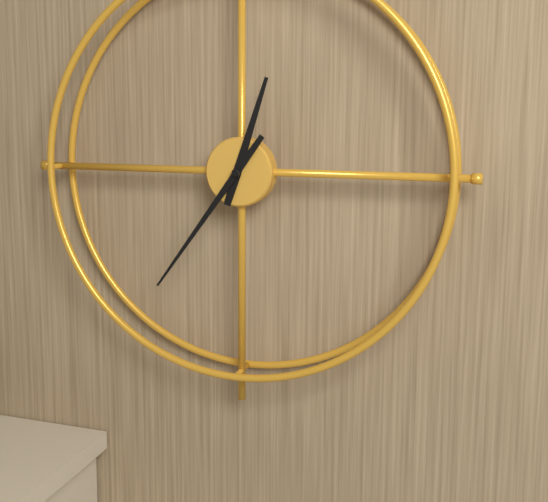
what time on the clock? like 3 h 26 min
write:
12 h 36 min
